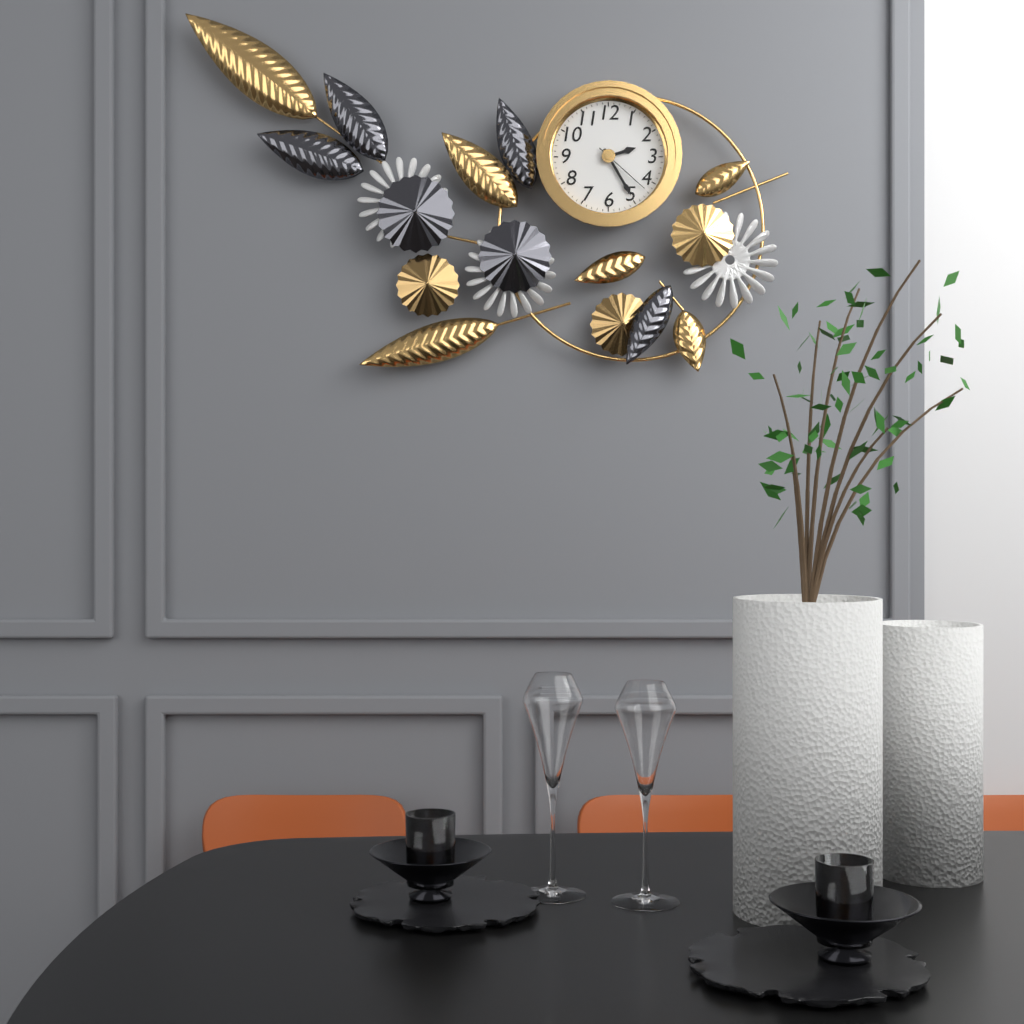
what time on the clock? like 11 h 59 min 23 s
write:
2 h 25 min 22 s
